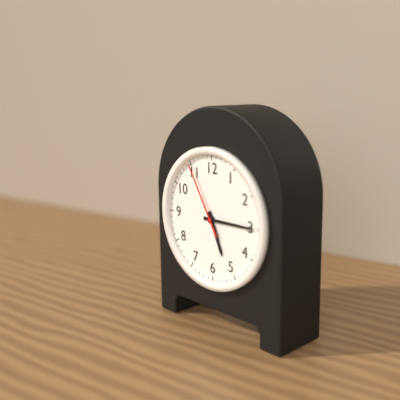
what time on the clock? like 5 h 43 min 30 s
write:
5 h 15 min 55 s
